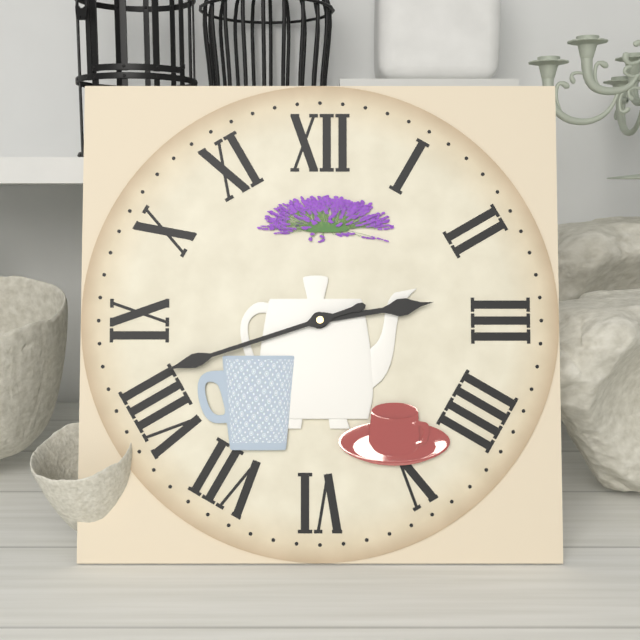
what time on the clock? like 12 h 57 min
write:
2 h 42 min
